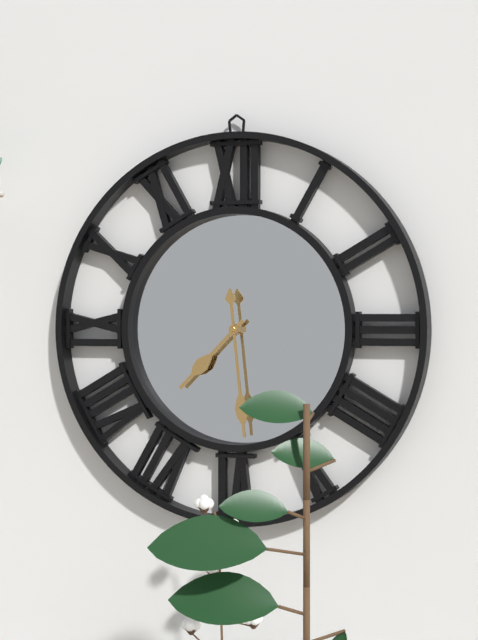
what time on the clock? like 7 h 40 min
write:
7 h 29 min
